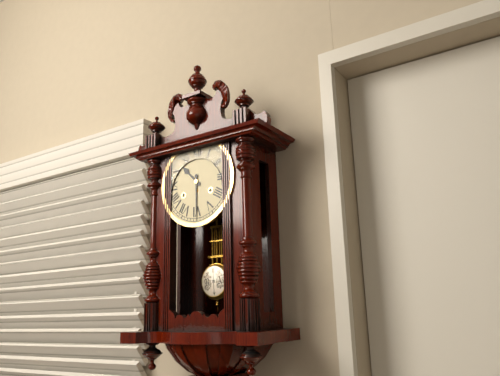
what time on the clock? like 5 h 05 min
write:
10 h 30 min
